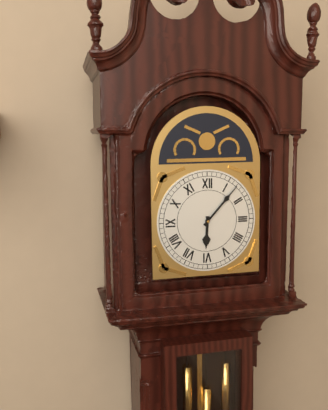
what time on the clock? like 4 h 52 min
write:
6 h 07 min
